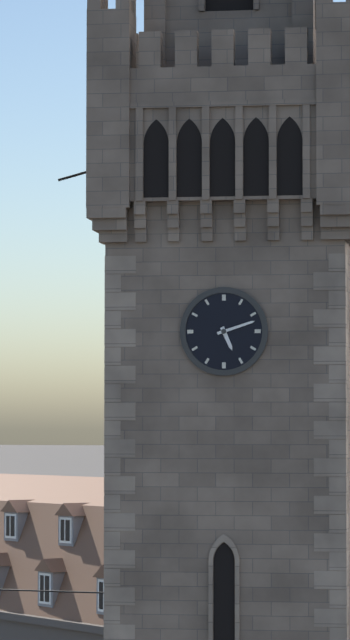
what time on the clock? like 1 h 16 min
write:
5 h 12 min
